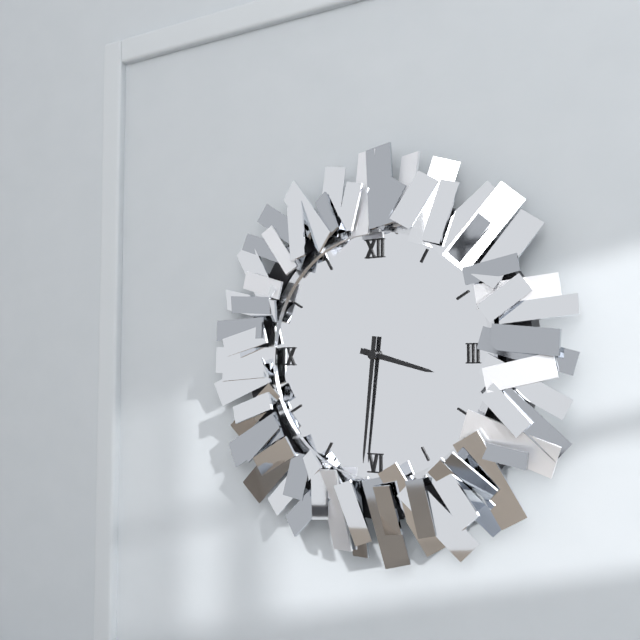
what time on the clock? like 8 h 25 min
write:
3 h 31 min
